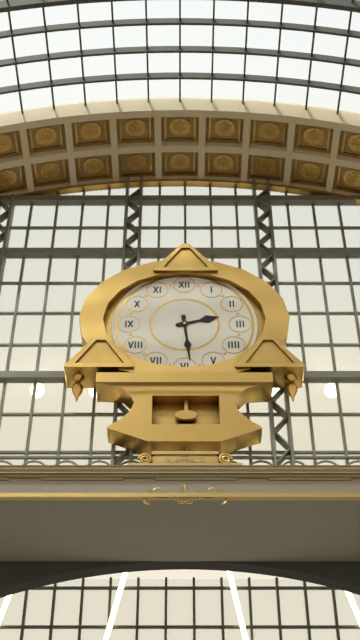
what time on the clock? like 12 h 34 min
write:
2 h 29 min
